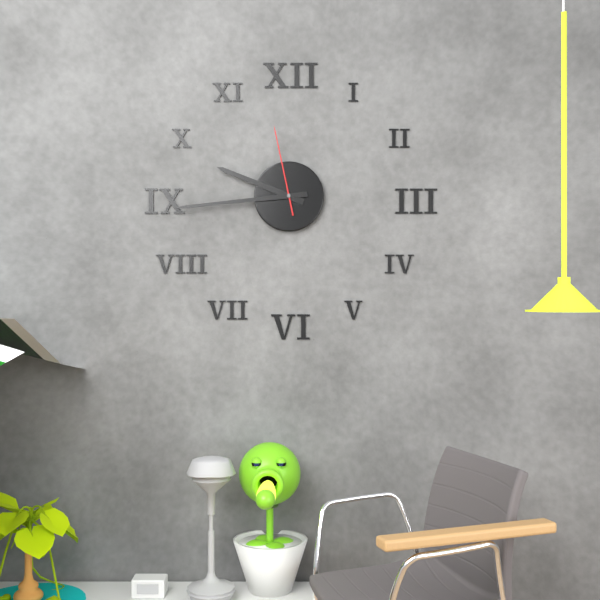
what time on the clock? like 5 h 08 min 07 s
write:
9 h 44 min 58 s
